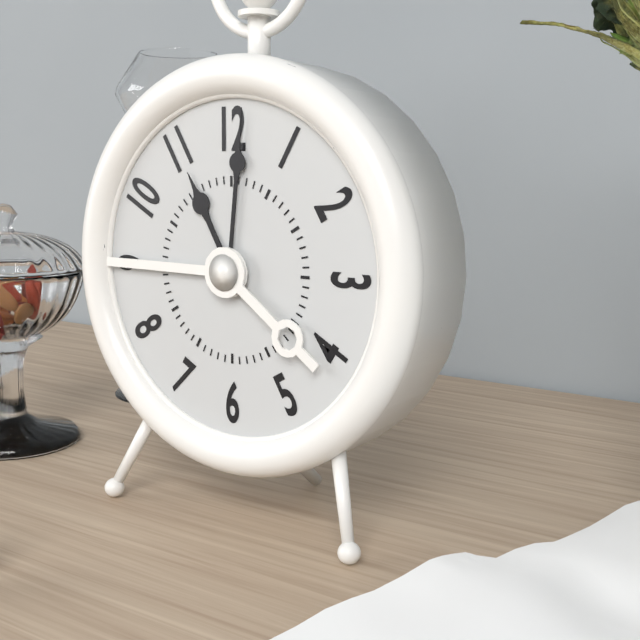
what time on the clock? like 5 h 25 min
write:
11 h 01 min
